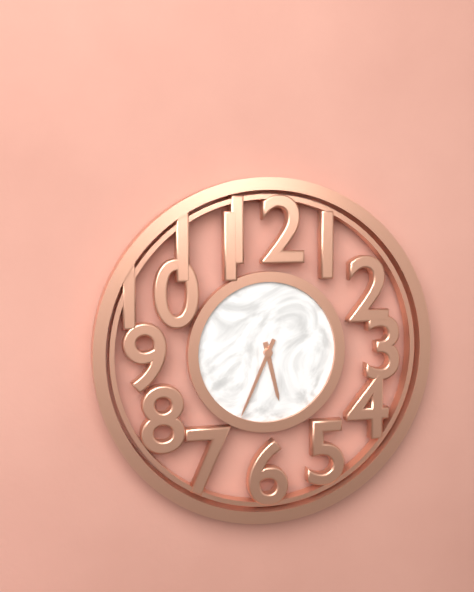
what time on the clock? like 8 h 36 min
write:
5 h 34 min
